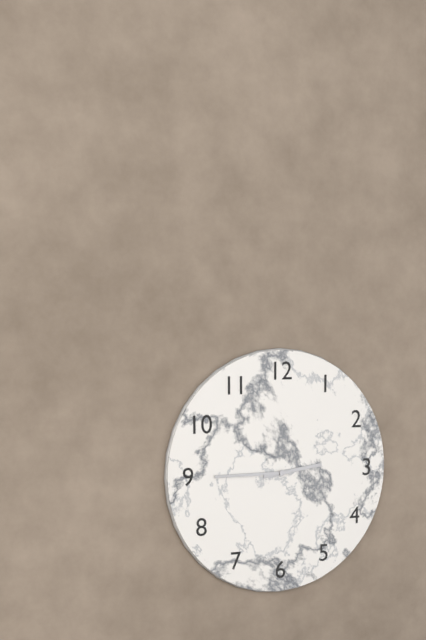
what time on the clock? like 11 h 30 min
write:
2 h 45 min
